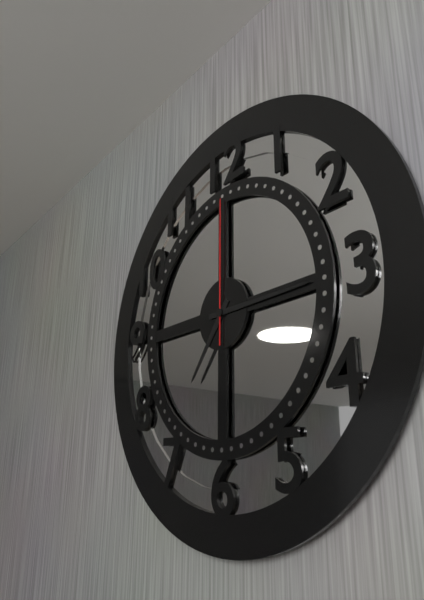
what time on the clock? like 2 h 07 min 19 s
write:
7 h 15 min 00 s
